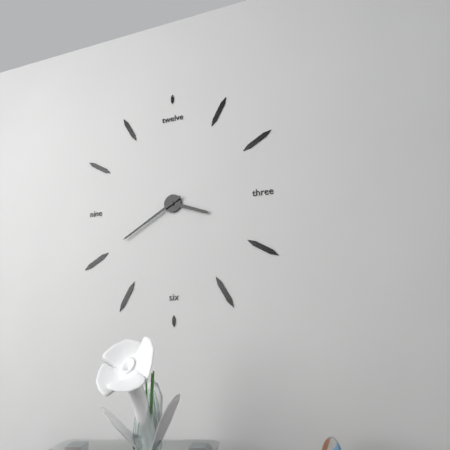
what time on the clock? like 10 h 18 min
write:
3 h 40 min
